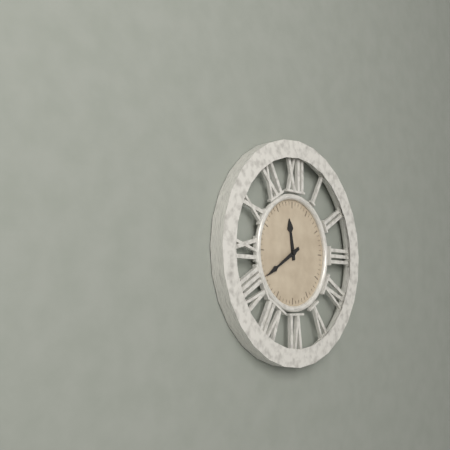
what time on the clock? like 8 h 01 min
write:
11 h 40 min
